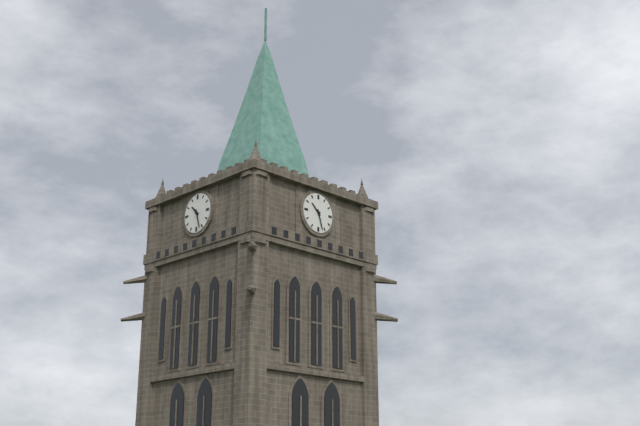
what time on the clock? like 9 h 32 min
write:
10 h 27 min
